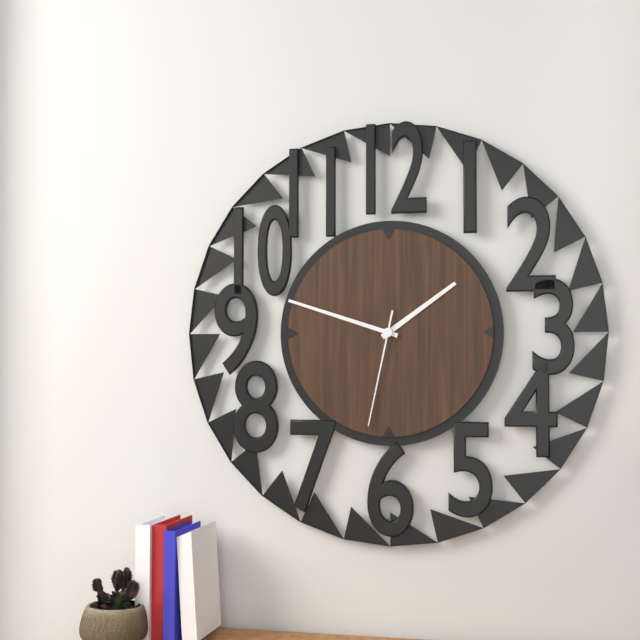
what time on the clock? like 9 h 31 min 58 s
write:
1 h 48 min 32 s
